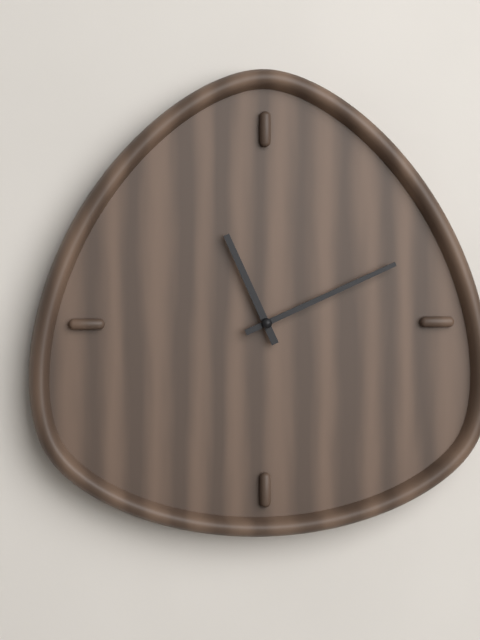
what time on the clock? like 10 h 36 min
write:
11 h 11 min
